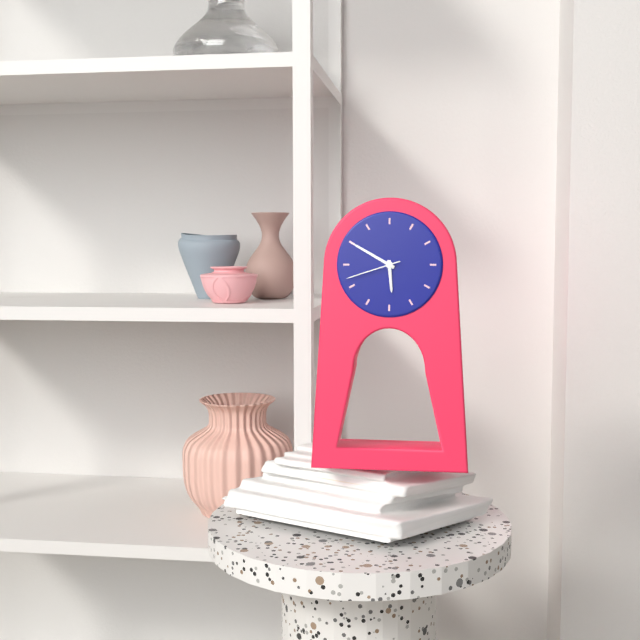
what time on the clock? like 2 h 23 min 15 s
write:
5 h 50 min 42 s
